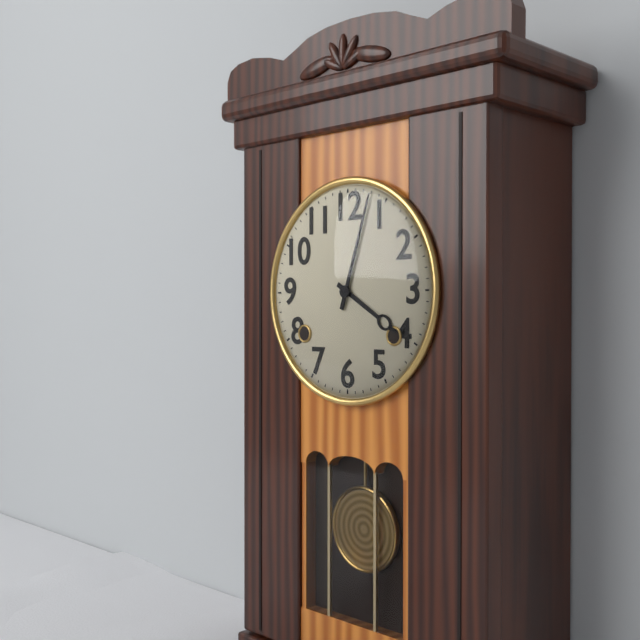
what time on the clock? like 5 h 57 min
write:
4 h 03 min
